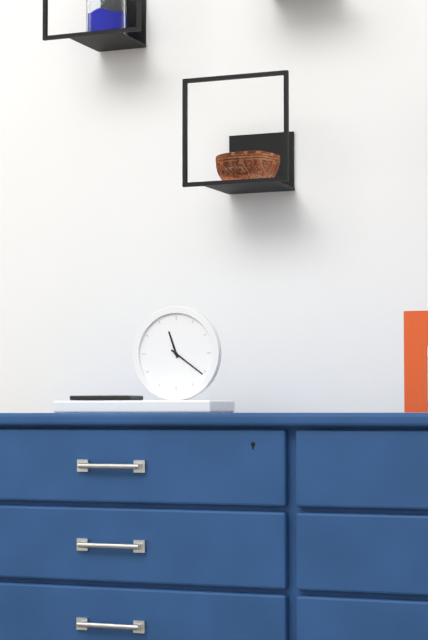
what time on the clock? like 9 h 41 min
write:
11 h 21 min
